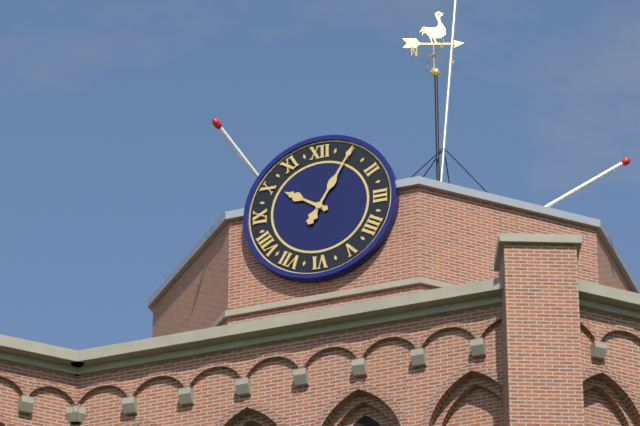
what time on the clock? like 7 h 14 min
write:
10 h 05 min
